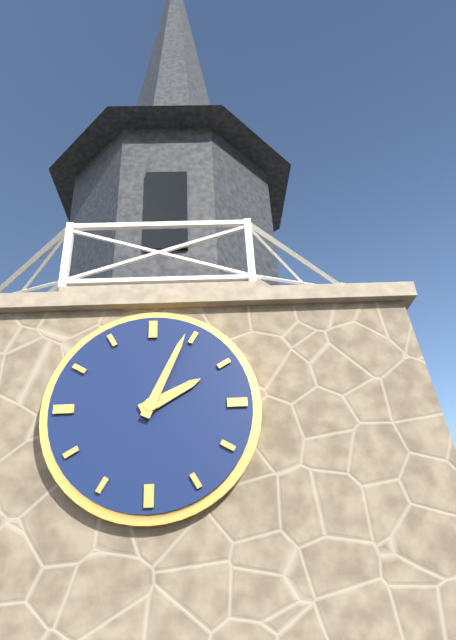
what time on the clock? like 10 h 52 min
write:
2 h 04 min
